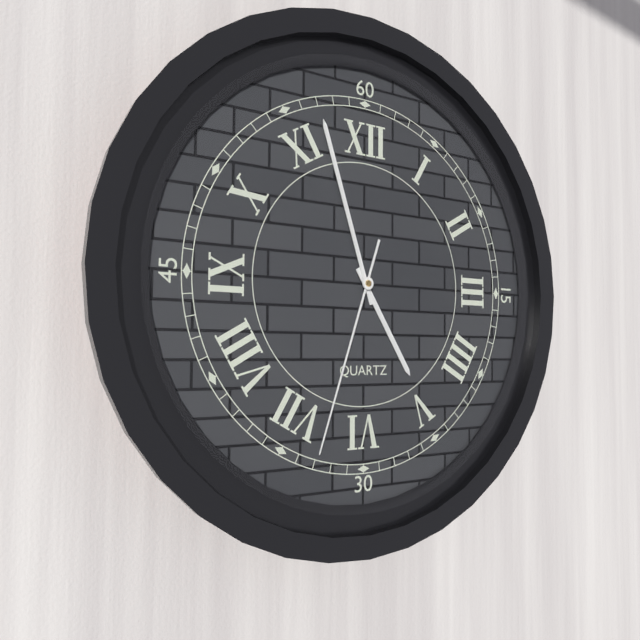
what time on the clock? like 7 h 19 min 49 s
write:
4 h 57 min 33 s
